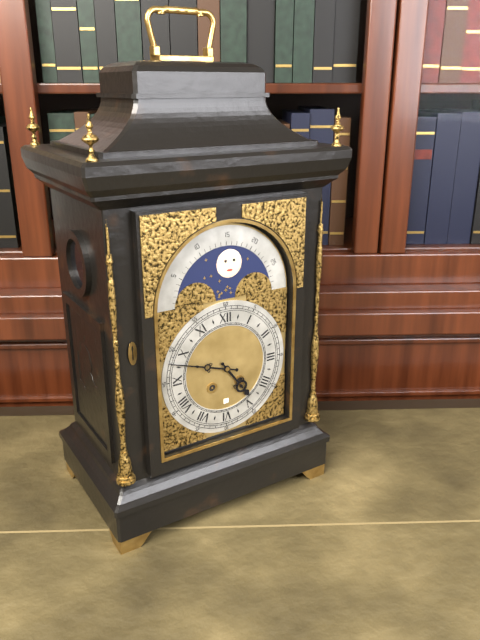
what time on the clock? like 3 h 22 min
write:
4 h 48 min
